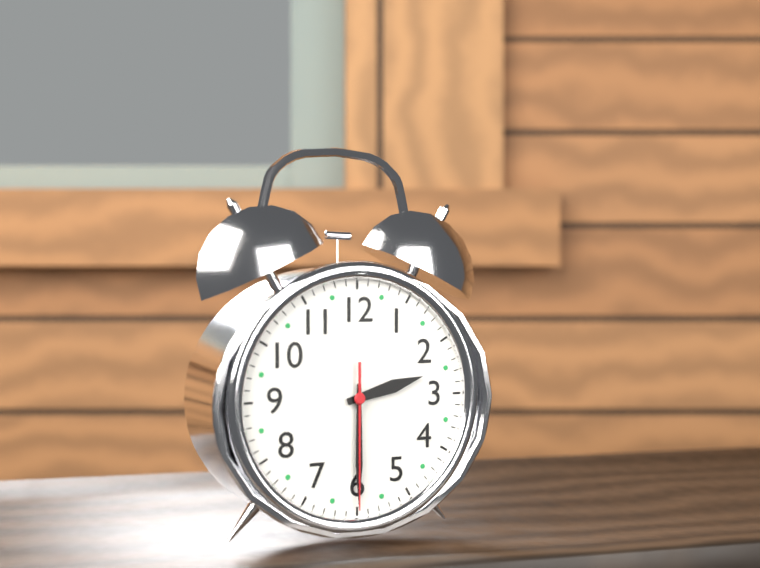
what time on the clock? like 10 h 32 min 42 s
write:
2 h 30 min 30 s
